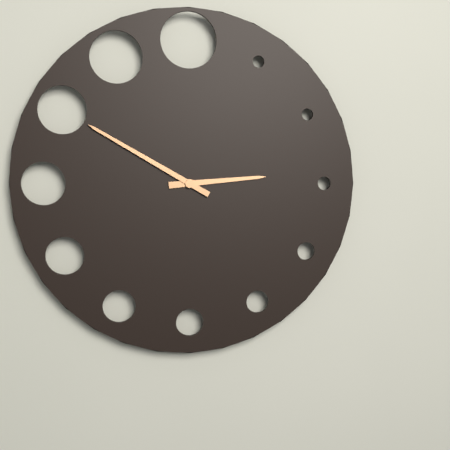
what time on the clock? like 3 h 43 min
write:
2 h 50 min
